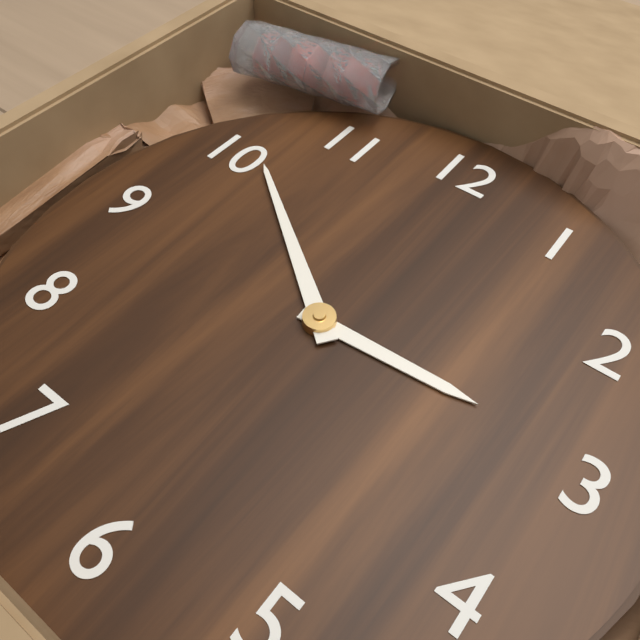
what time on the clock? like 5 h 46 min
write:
2 h 51 min
